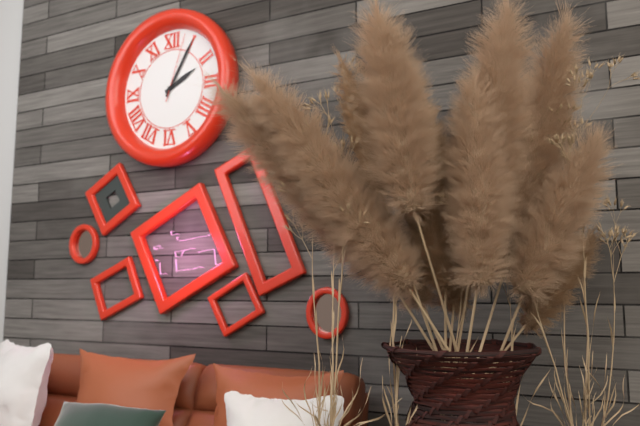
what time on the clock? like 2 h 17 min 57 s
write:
2 h 05 min 03 s
